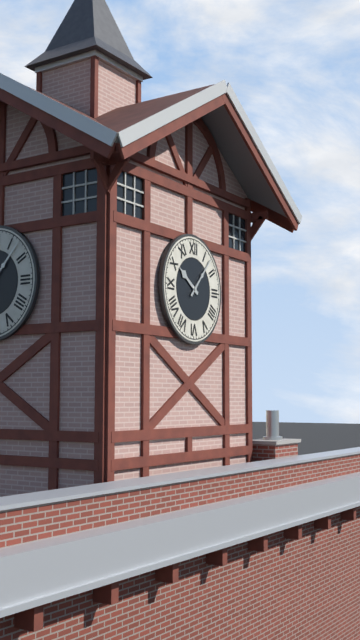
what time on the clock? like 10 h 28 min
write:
10 h 07 min
